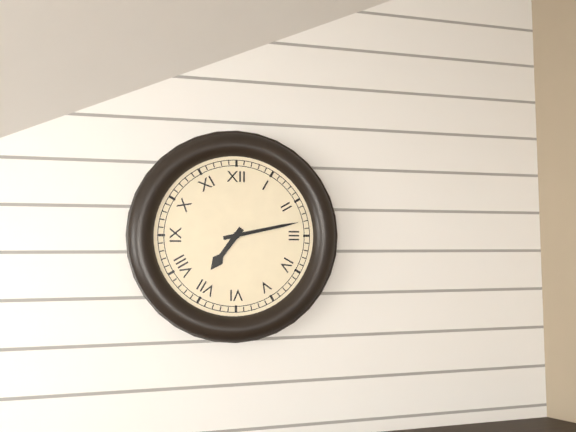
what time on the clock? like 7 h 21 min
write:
7 h 13 min
